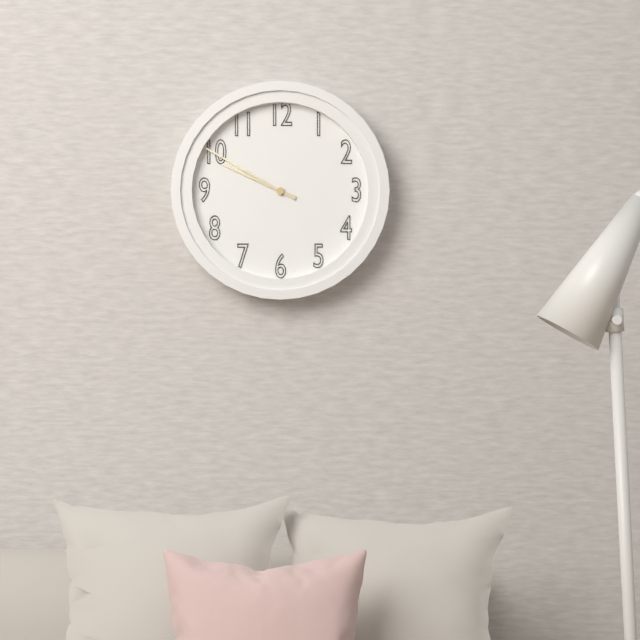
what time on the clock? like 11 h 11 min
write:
9 h 50 min
